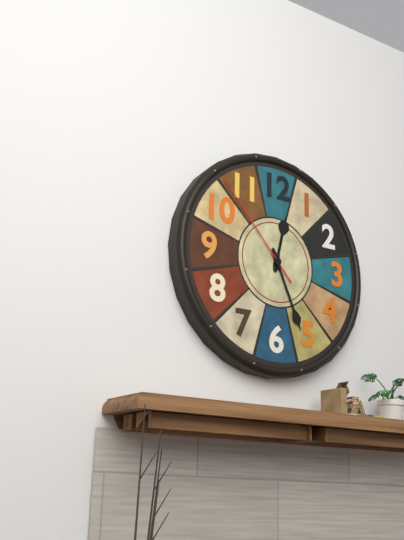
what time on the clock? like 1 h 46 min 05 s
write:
12 h 26 min 53 s
